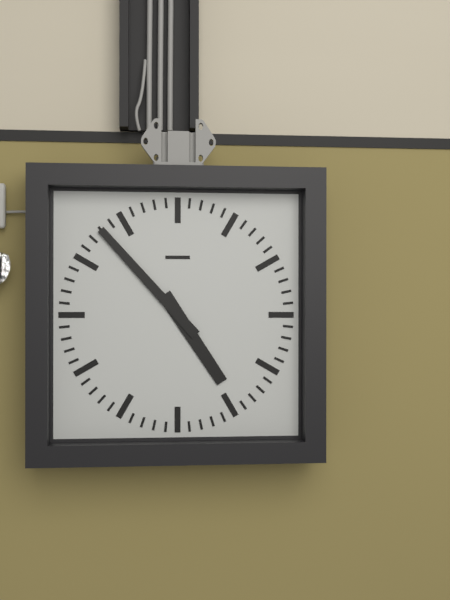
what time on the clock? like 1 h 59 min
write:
4 h 53 min
